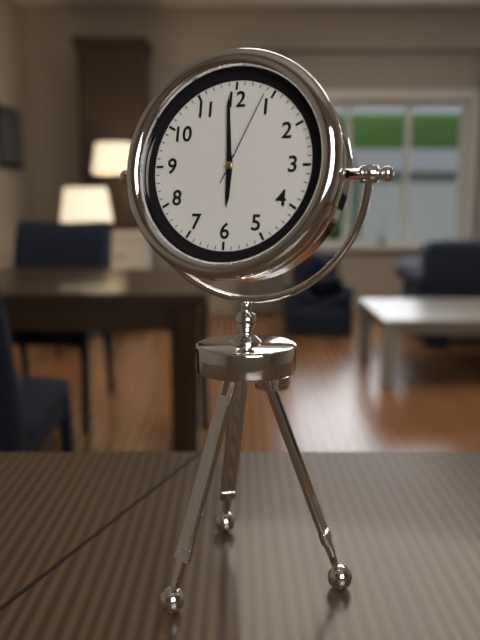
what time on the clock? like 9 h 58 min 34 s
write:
5 h 59 min 04 s
